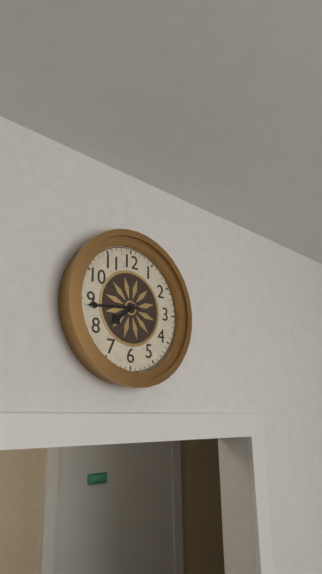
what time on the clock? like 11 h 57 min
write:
7 h 44 min
